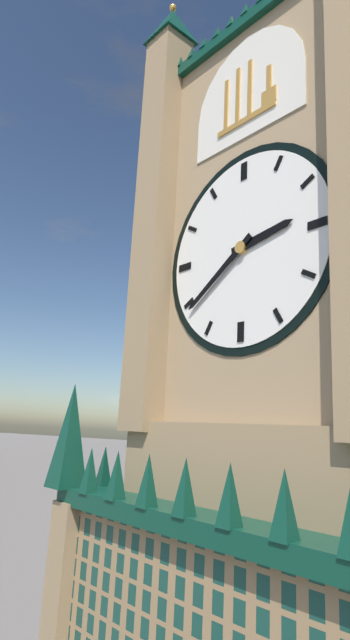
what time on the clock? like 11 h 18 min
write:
2 h 39 min
